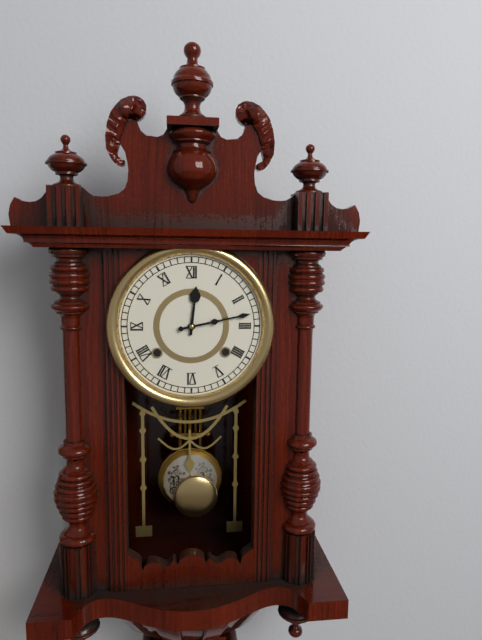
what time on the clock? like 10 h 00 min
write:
12 h 13 min
